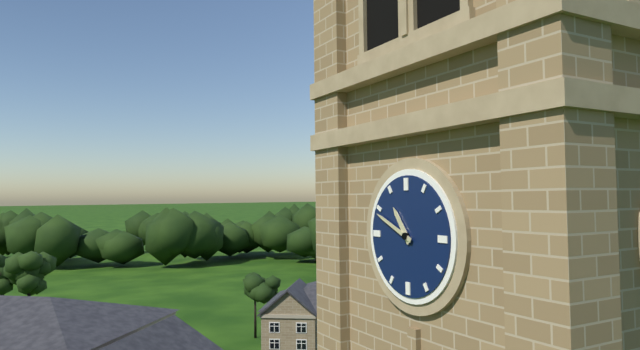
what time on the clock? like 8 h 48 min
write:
10 h 49 min
